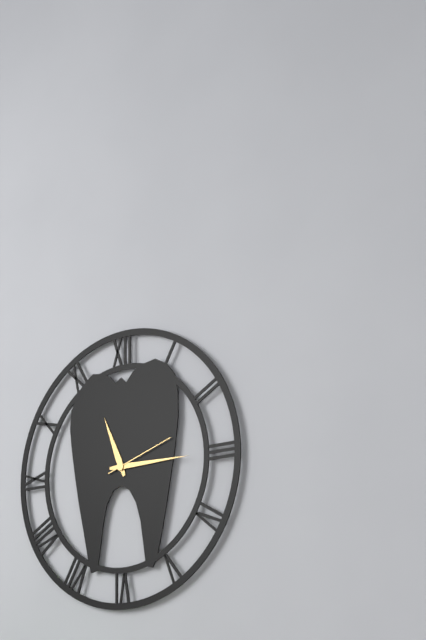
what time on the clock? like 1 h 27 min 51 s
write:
11 h 15 min 12 s
